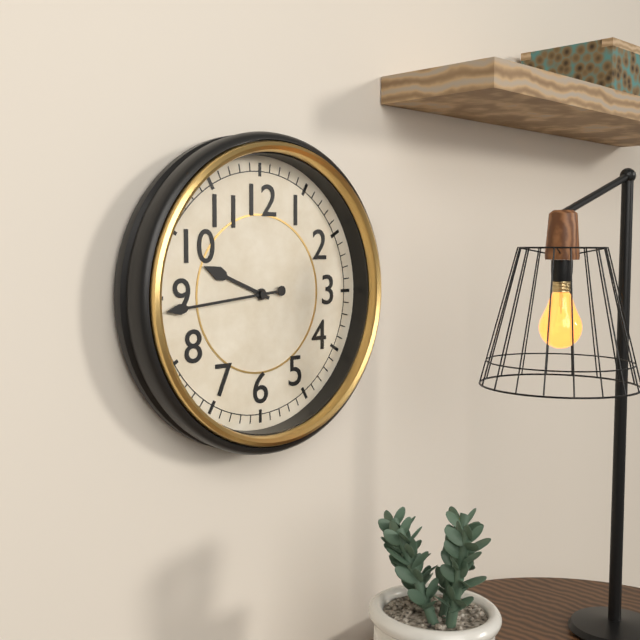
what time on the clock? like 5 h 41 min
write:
9 h 44 min
